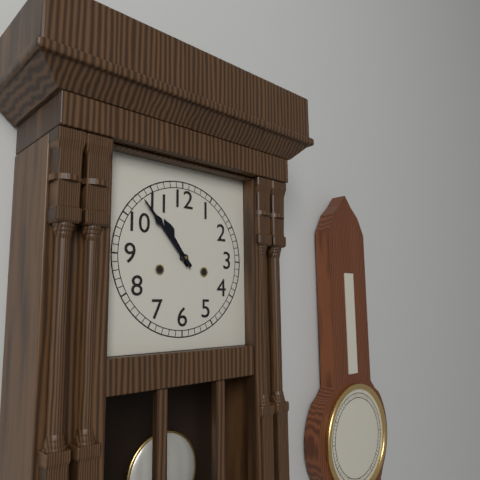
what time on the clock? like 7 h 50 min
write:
10 h 53 min
